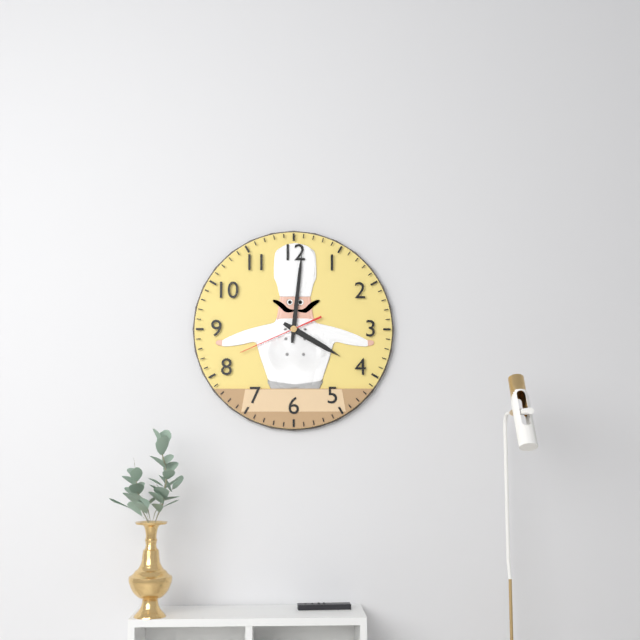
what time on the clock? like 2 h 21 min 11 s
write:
4 h 01 min 41 s
